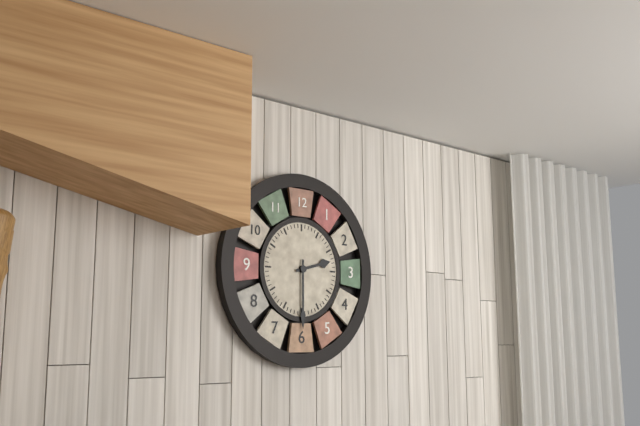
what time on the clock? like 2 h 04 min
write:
2 h 30 min
